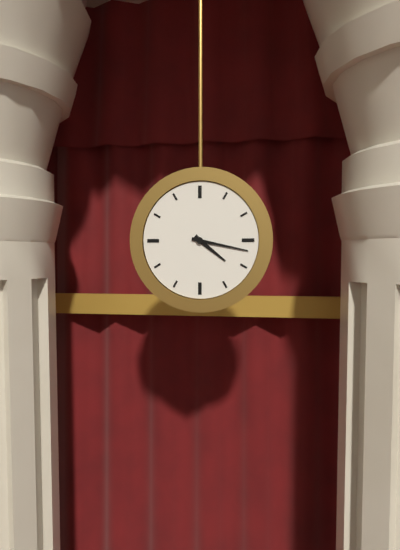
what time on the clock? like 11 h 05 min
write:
4 h 17 min
